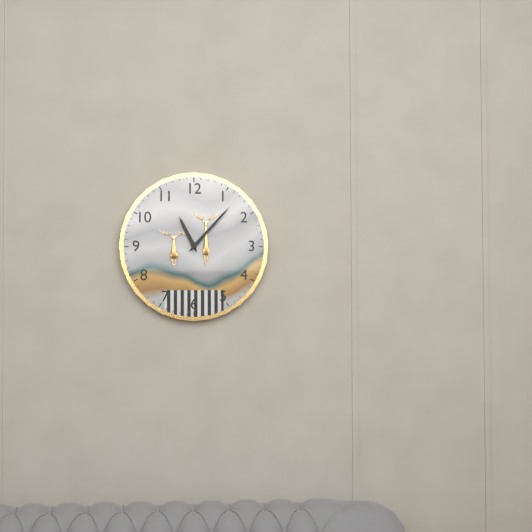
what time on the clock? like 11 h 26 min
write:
11 h 07 min
